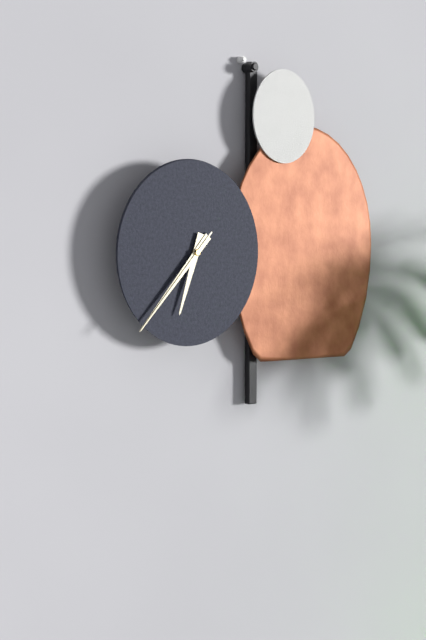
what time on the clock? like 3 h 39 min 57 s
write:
6 h 37 min 37 s
